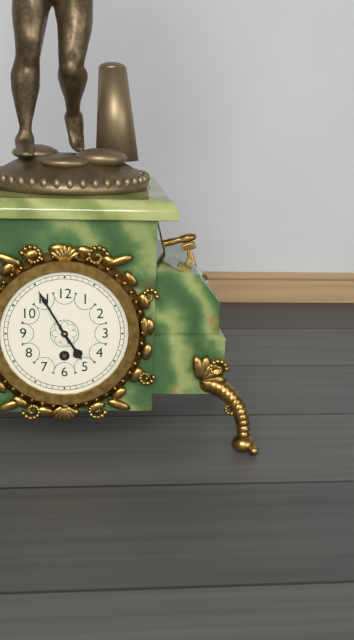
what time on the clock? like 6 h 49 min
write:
4 h 55 min
